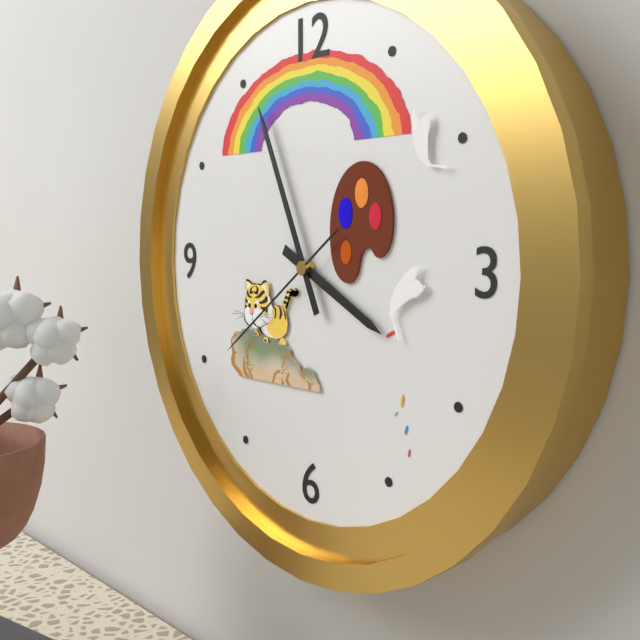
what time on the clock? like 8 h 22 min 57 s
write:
3 h 56 min 39 s
